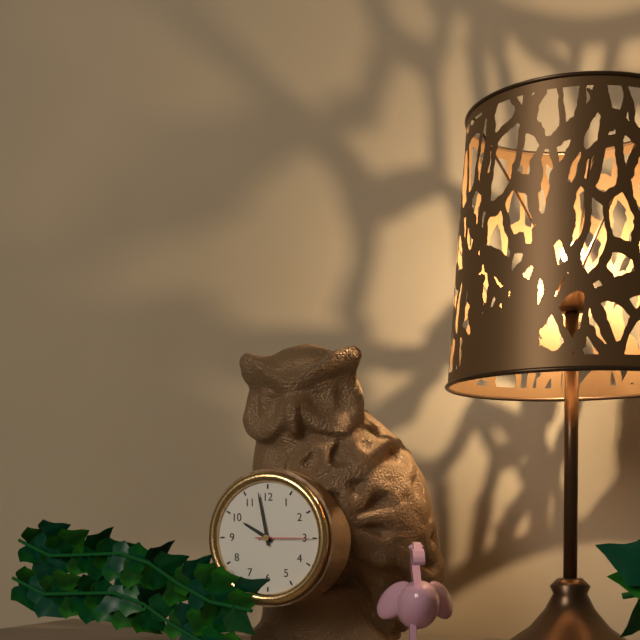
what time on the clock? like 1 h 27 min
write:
9 h 58 min
